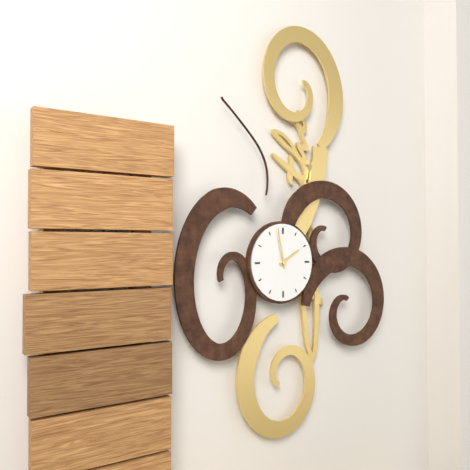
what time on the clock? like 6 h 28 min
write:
1 h 58 min
